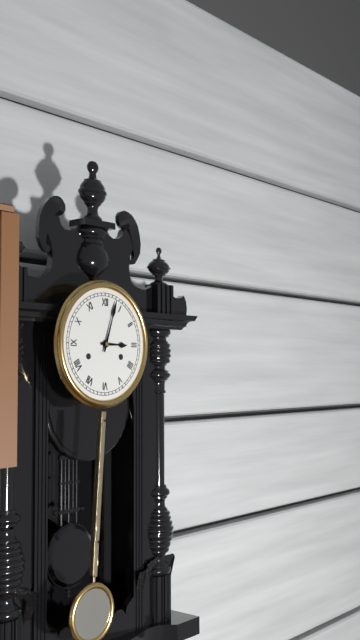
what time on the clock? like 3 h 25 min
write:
3 h 03 min
